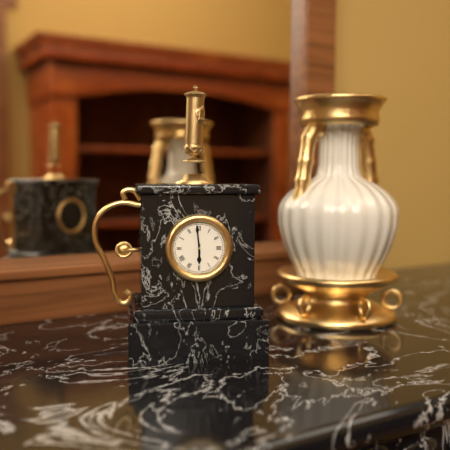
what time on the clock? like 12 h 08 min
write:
5 h 59 min
